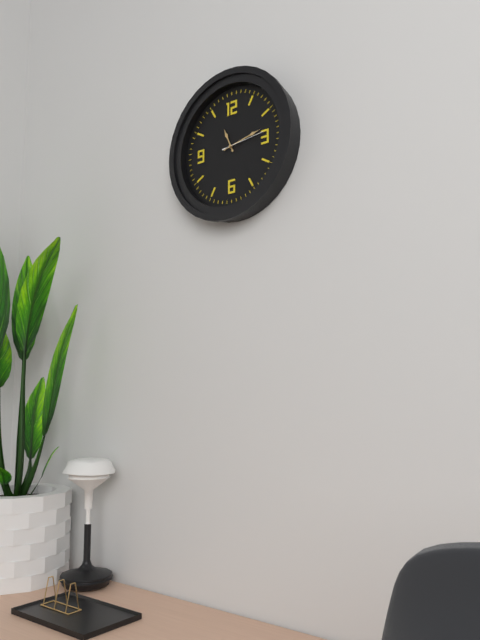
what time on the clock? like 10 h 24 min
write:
11 h 13 min
